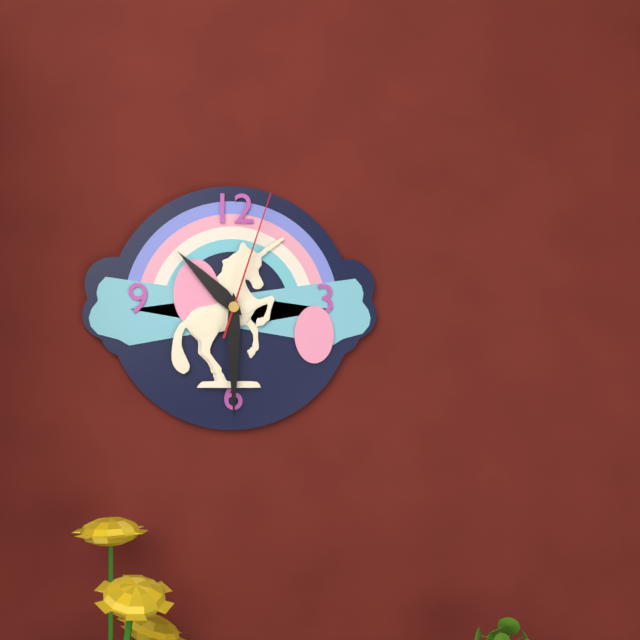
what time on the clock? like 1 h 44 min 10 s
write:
10 h 30 min 03 s
